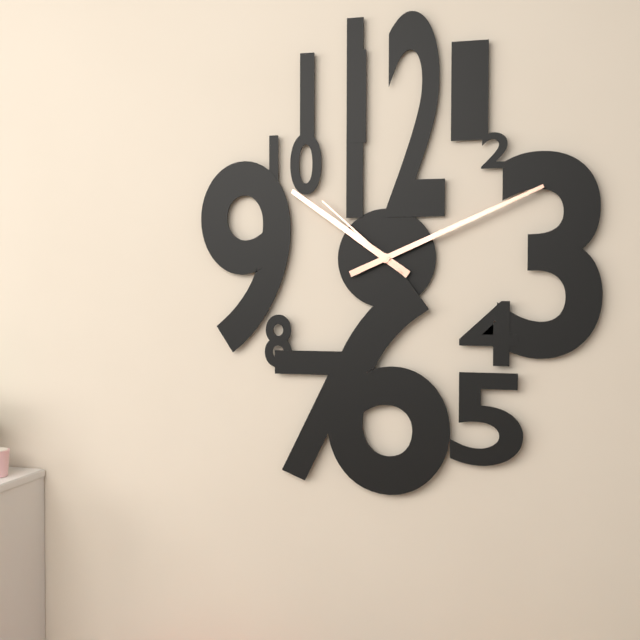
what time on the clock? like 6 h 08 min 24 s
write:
10 h 11 min 52 s
